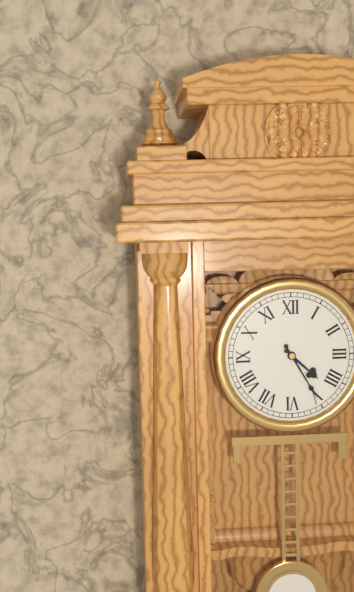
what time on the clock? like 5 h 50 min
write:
4 h 25 min
